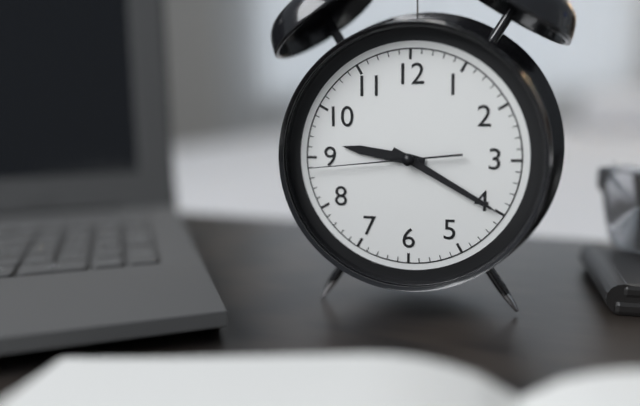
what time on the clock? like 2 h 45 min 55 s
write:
9 h 20 min 44 s
